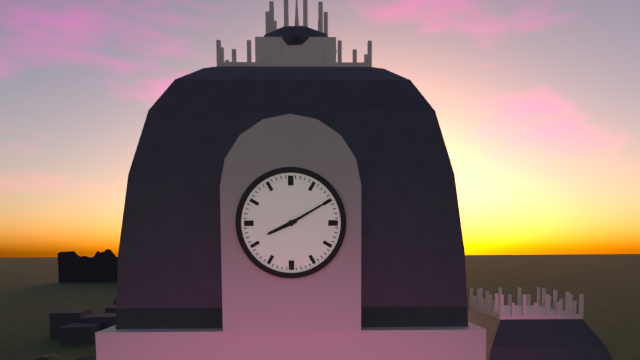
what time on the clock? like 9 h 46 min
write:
8 h 10 min
